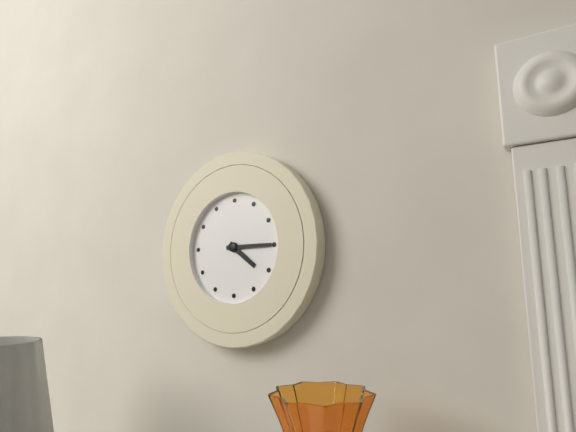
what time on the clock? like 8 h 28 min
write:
4 h 15 min
